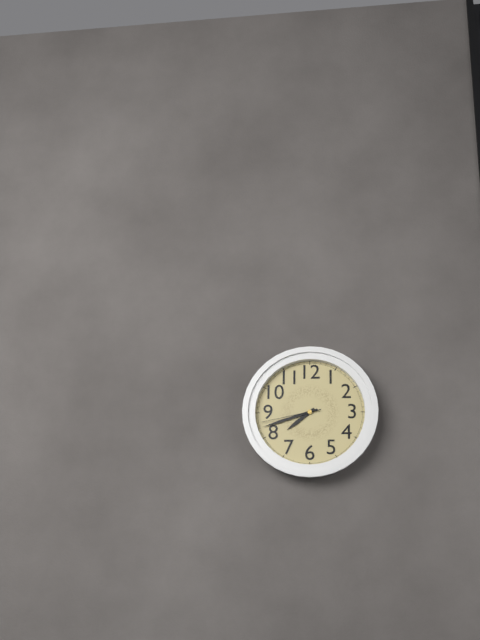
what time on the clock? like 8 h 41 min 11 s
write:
7 h 42 min 43 s
